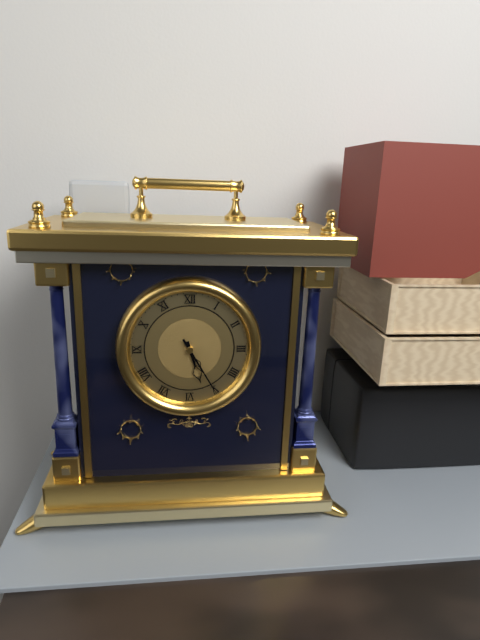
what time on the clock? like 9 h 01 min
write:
5 h 25 min
